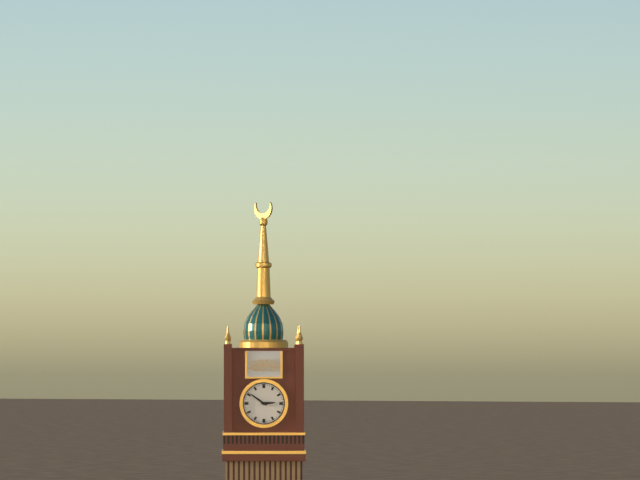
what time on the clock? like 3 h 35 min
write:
2 h 51 min
